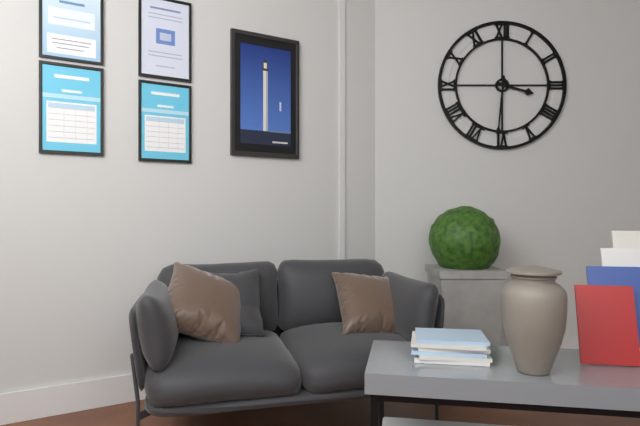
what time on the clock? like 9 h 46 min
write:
3 h 31 min
